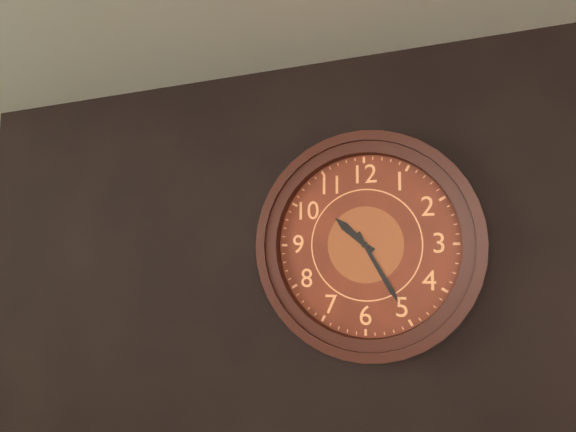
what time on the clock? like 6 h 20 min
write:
10 h 25 min
